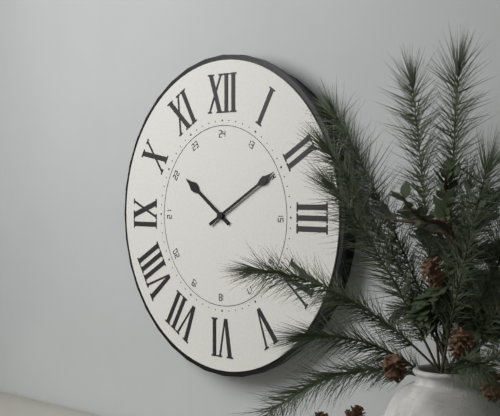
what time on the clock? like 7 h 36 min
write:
10 h 10 min
